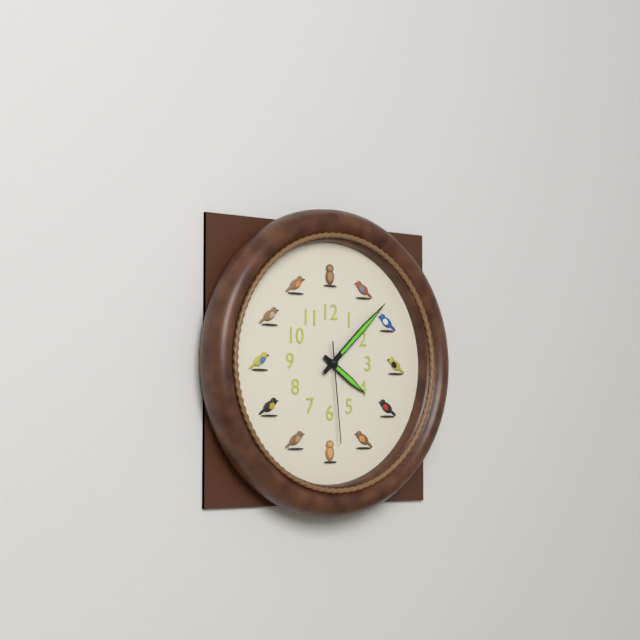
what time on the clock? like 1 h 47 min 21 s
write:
4 h 08 min 29 s
